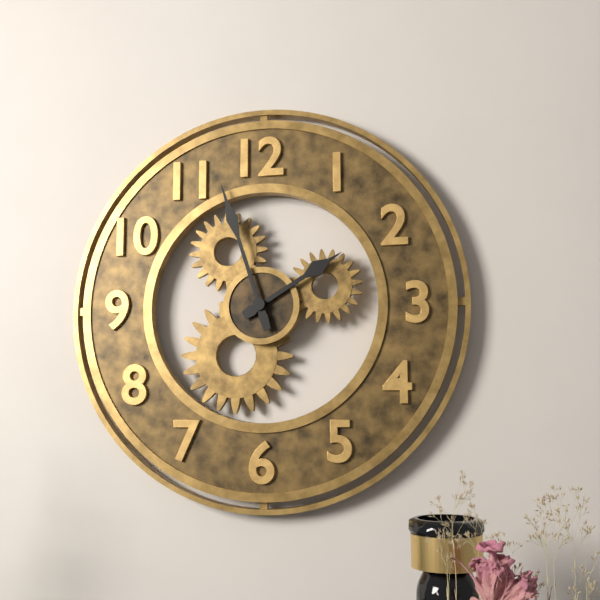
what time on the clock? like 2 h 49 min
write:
1 h 57 min
